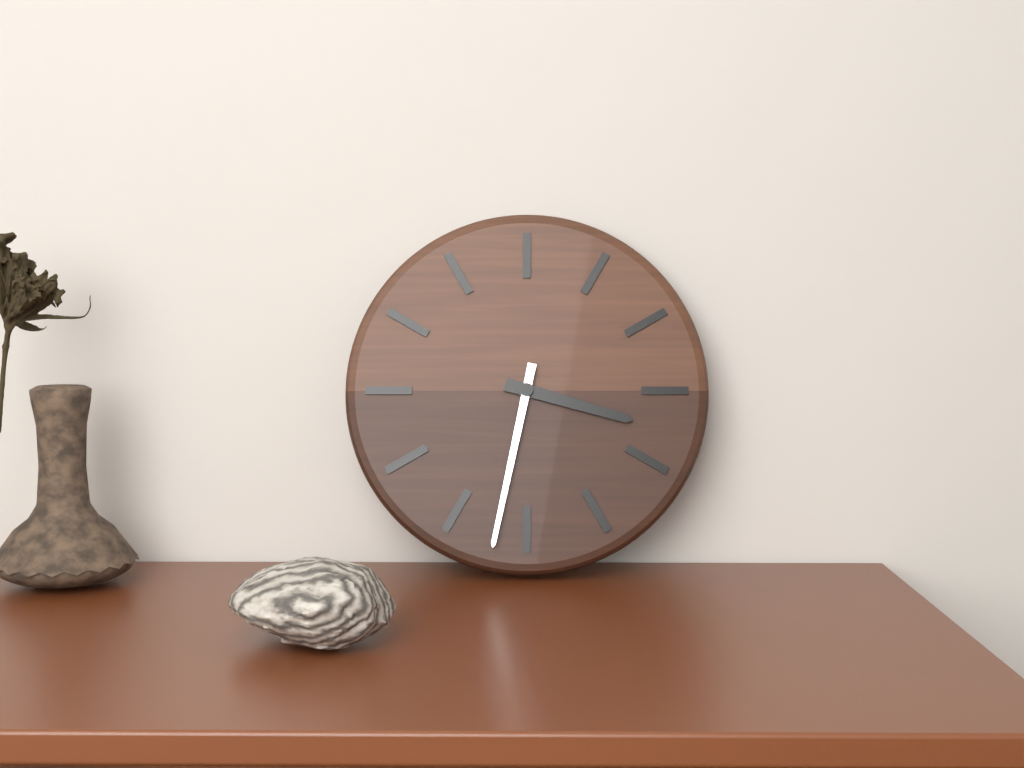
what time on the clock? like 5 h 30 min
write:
3 h 32 min
